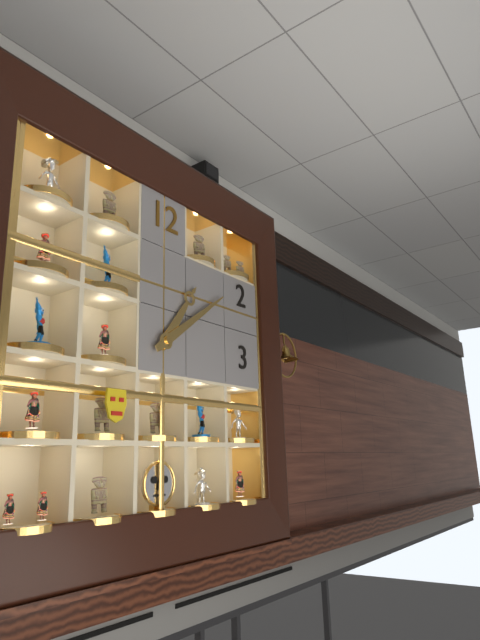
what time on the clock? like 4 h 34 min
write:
1 h 09 min
